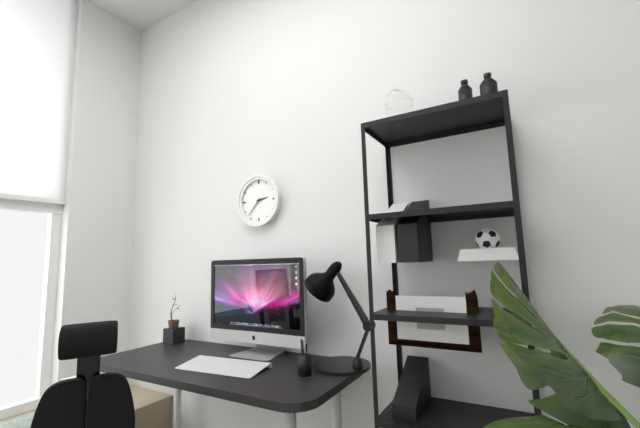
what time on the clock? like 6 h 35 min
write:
2 h 37 min
